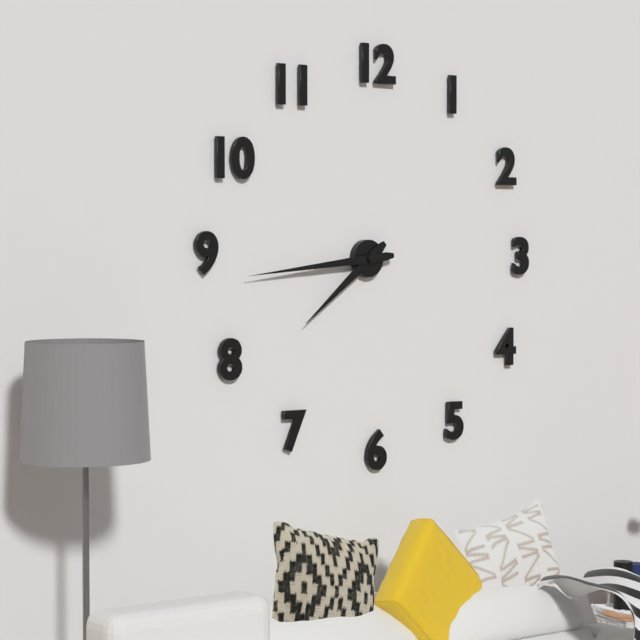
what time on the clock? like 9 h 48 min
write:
7 h 44 min
